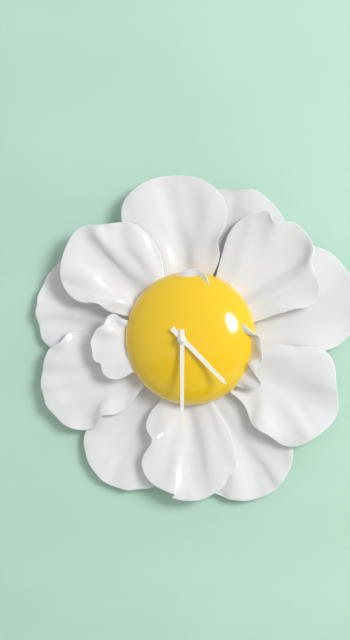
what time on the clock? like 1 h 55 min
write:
4 h 30 min
